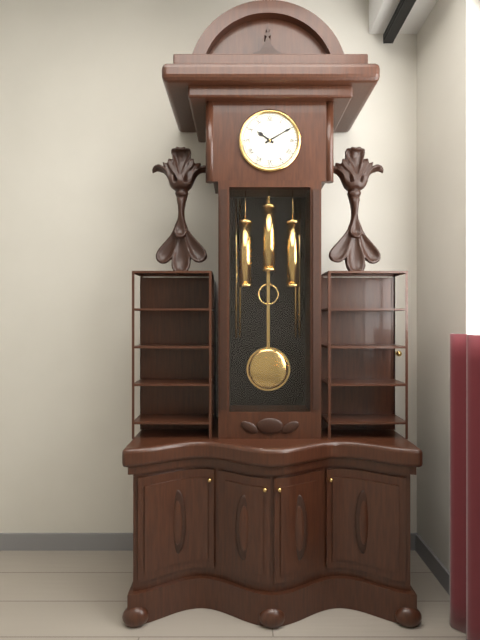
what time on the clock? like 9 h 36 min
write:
10 h 10 min
